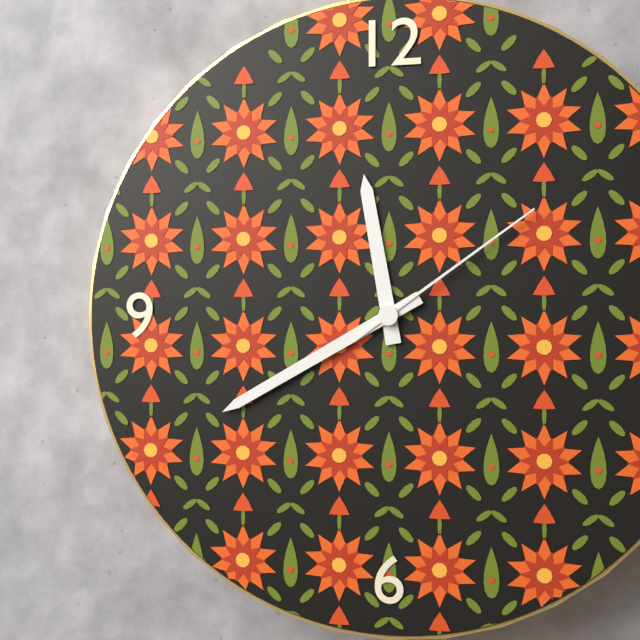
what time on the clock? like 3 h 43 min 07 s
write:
11 h 40 min 09 s
